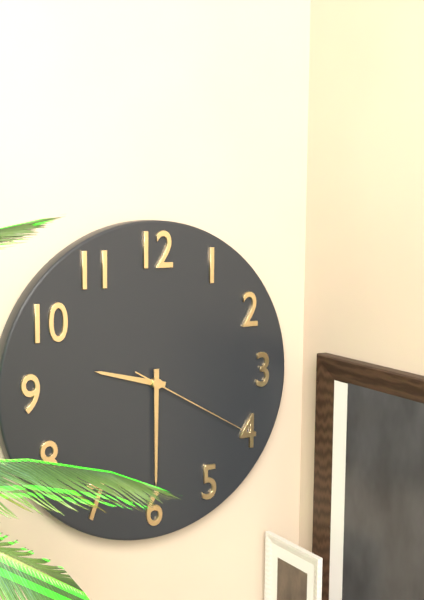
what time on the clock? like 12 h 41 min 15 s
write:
9 h 30 min 20 s
